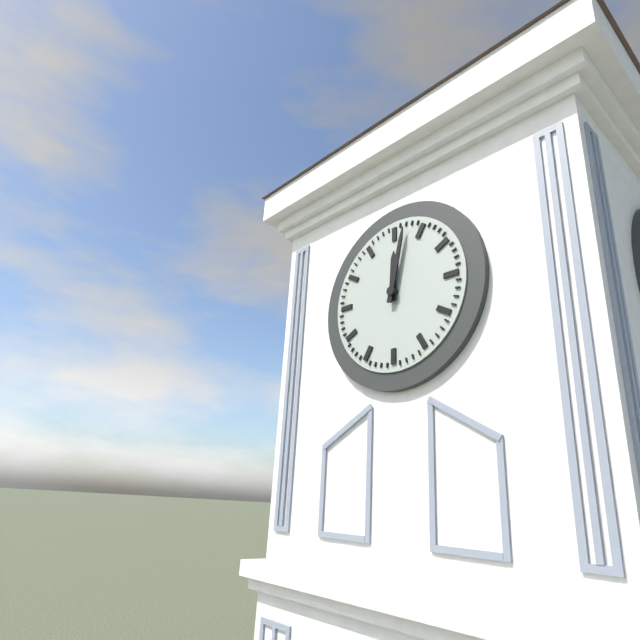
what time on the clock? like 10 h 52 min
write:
12 h 02 min
